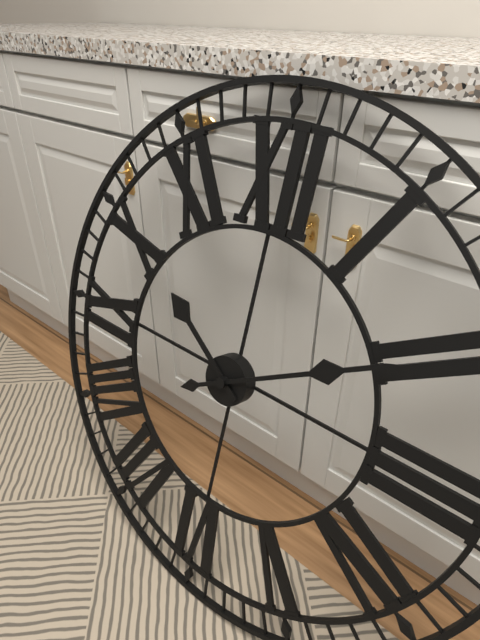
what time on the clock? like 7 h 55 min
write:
10 h 10 min
